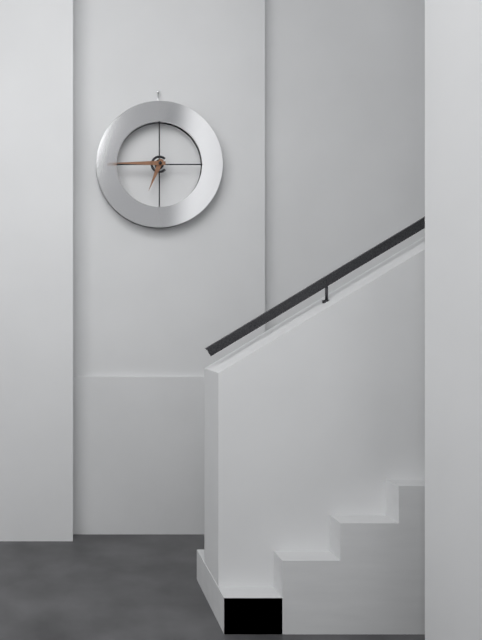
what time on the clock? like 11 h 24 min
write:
6 h 45 min
